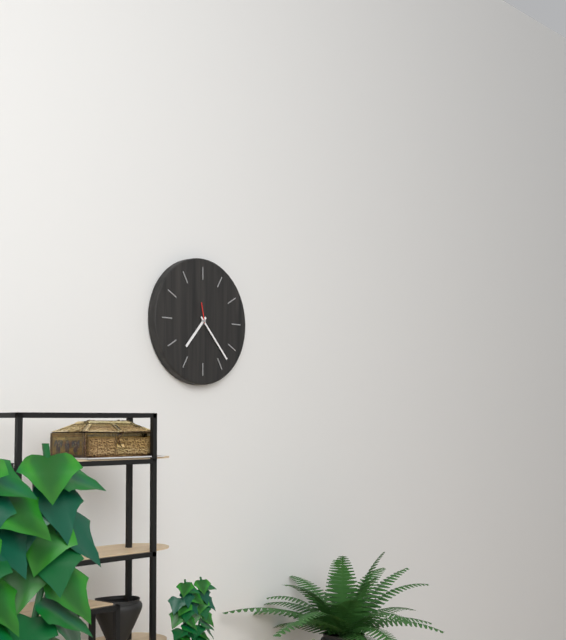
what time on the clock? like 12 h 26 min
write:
7 h 23 min
